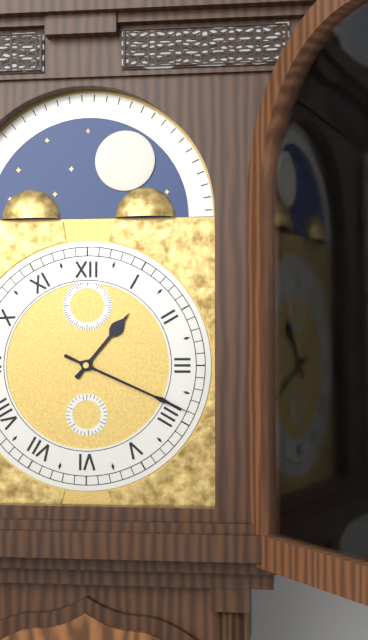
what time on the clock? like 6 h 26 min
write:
1 h 19 min
